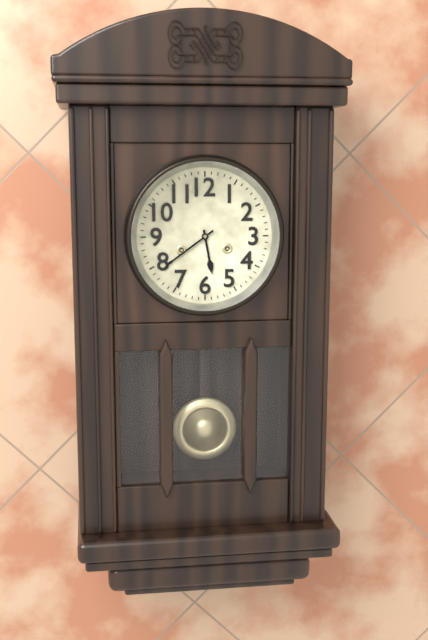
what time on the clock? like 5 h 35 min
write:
5 h 39 min
